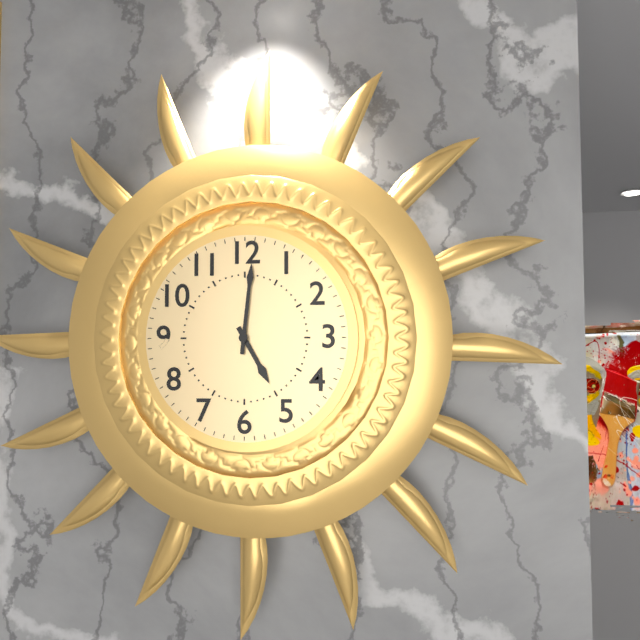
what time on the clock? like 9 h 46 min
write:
5 h 01 min
